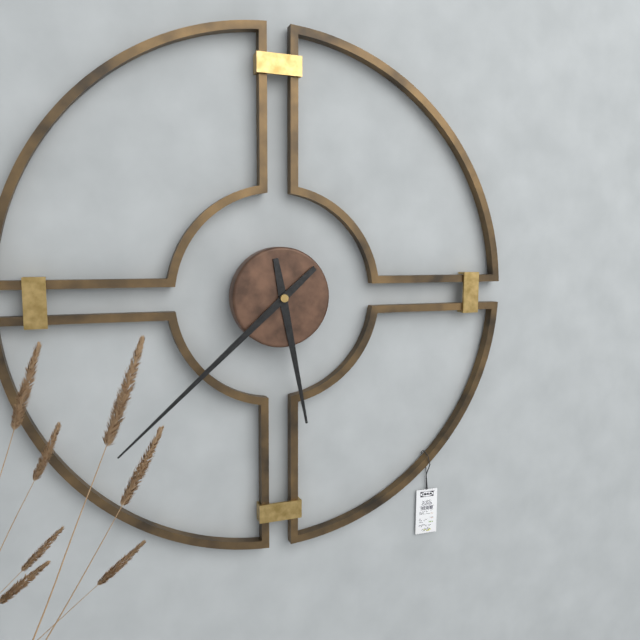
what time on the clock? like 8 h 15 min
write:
5 h 38 min
